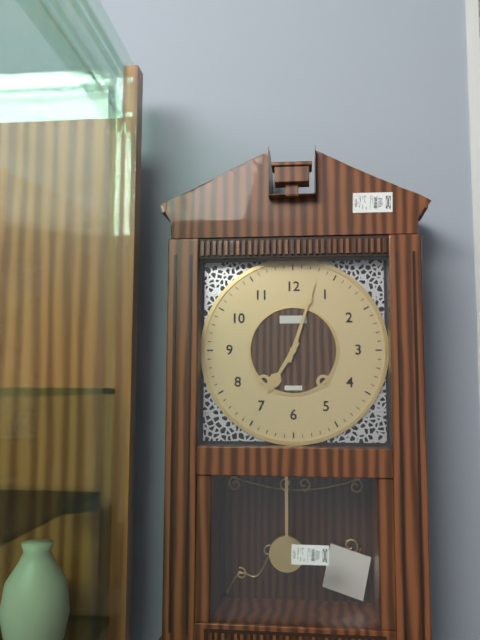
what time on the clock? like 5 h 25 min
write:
7 h 03 min
